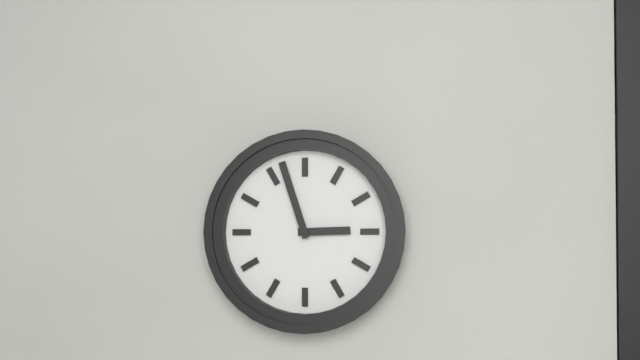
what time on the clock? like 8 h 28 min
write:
2 h 57 min
